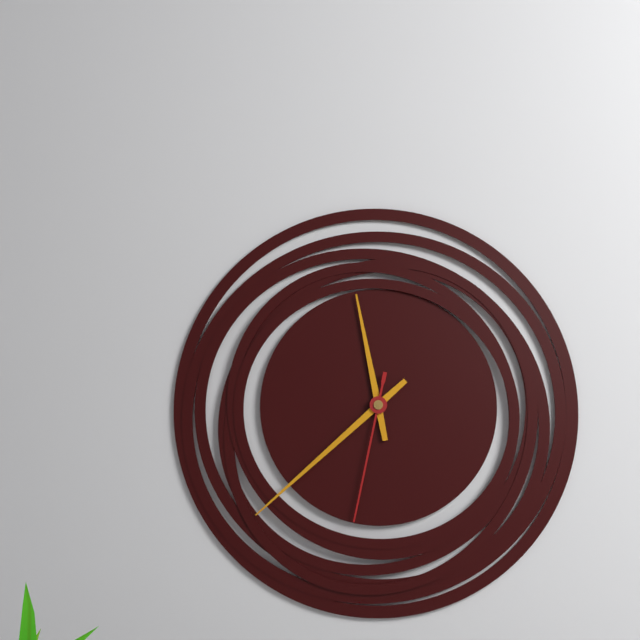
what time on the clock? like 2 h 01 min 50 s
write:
11 h 38 min 32 s
